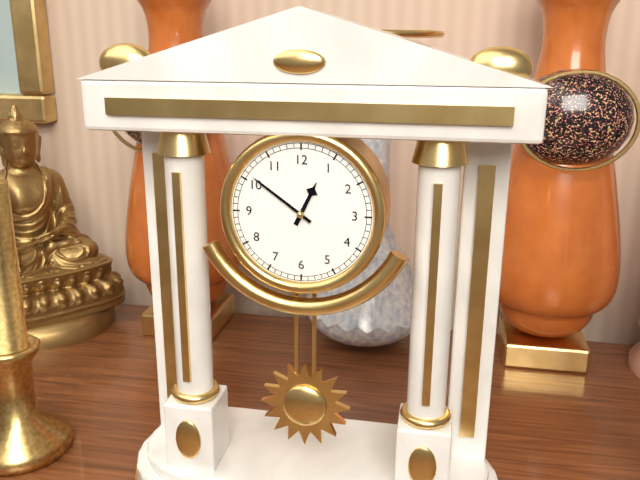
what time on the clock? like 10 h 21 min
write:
12 h 51 min
